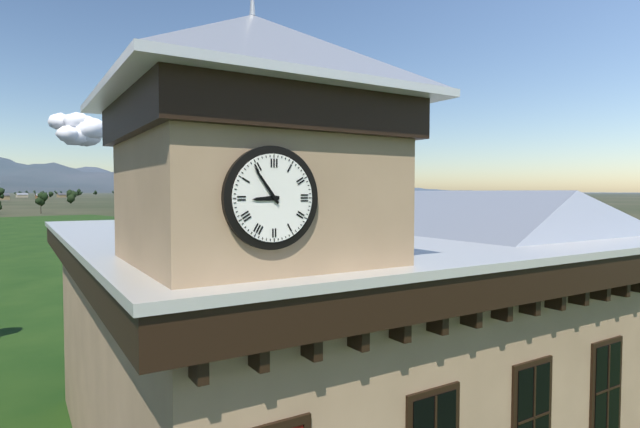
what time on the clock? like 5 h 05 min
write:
8 h 54 min
